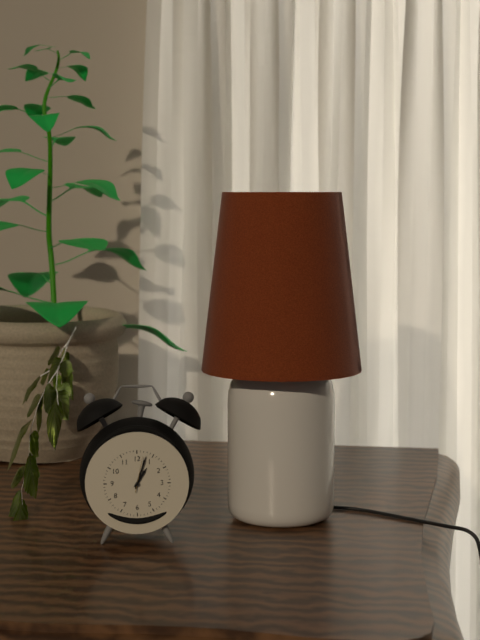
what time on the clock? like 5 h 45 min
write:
1 h 03 min
